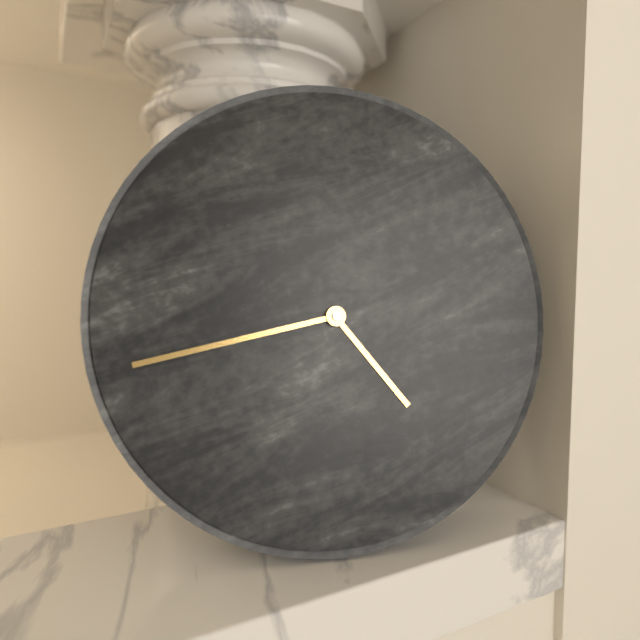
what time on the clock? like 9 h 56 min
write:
4 h 43 min
